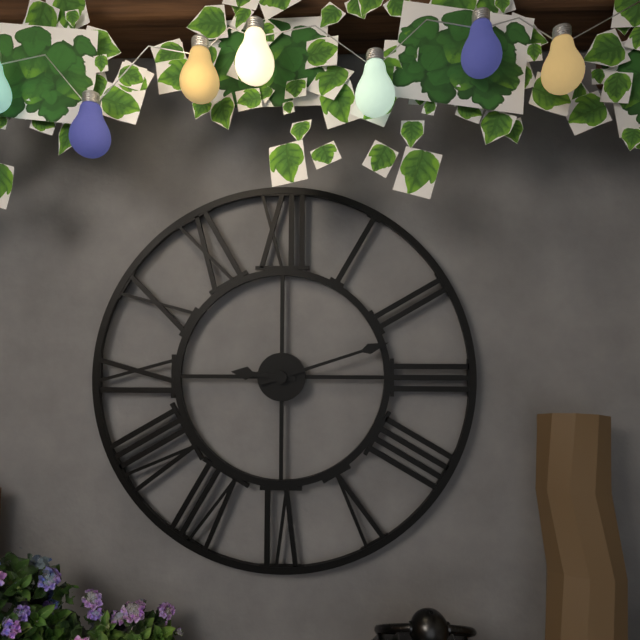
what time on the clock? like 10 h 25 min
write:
9 h 12 min
